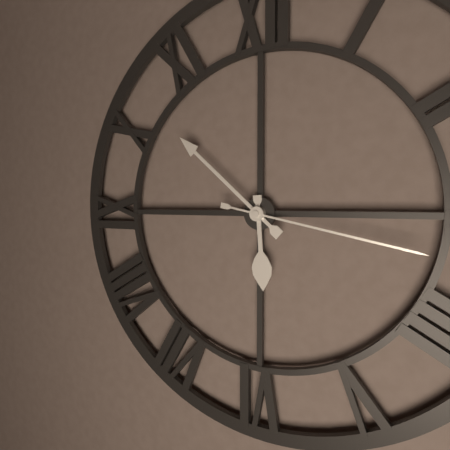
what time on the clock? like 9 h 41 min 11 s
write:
5 h 52 min 17 s
